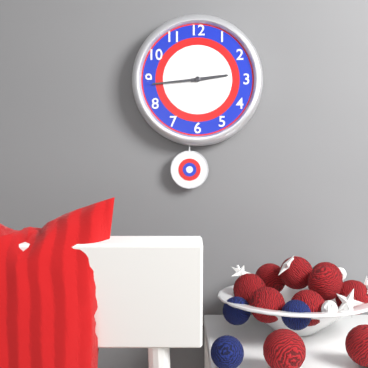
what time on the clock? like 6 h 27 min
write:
2 h 44 min
